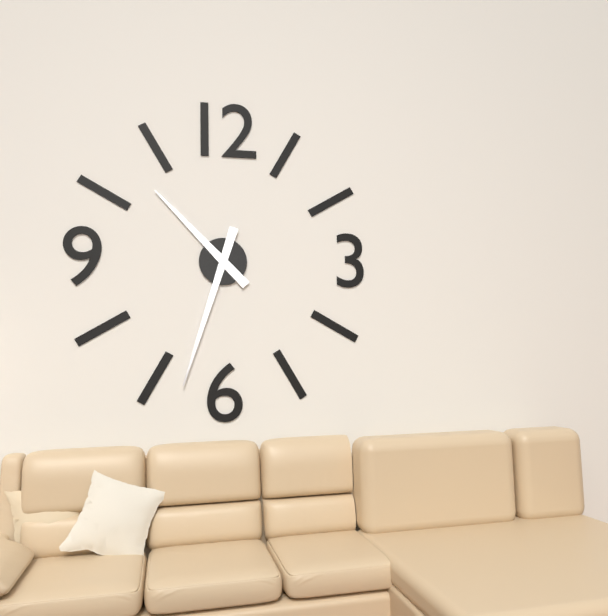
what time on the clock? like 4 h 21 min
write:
10 h 33 min
